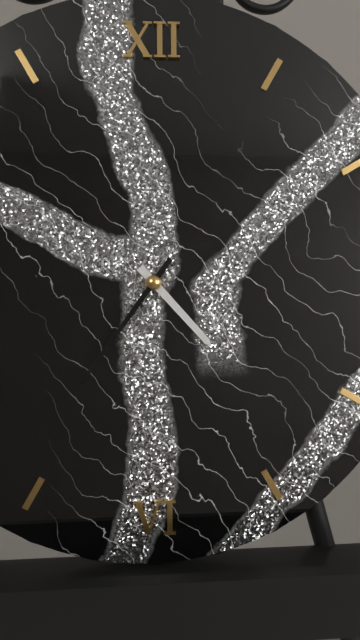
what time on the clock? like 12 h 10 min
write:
4 h 36 min
